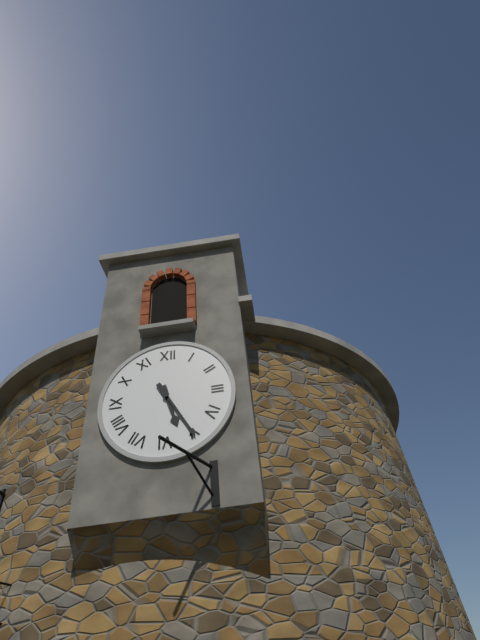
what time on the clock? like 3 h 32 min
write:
5 h 25 min
